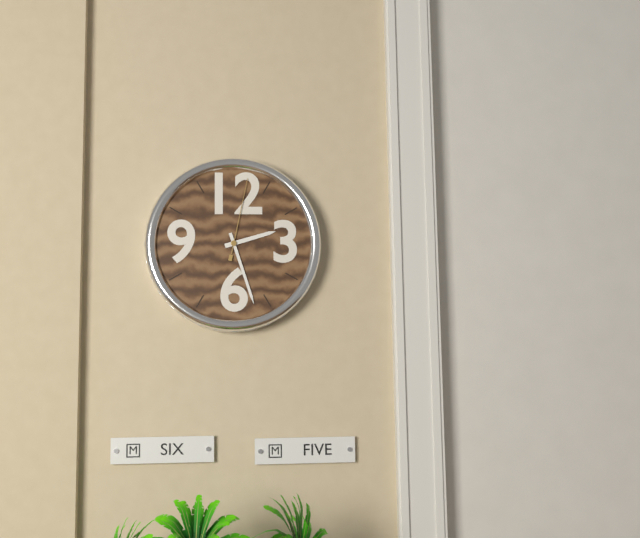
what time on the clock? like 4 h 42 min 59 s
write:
2 h 27 min 02 s
